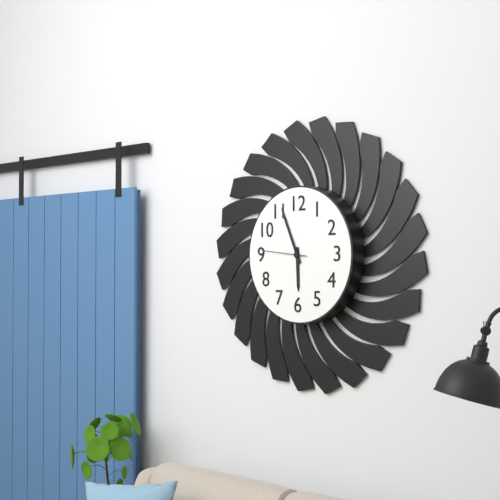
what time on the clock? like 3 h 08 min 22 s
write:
5 h 56 min 46 s
